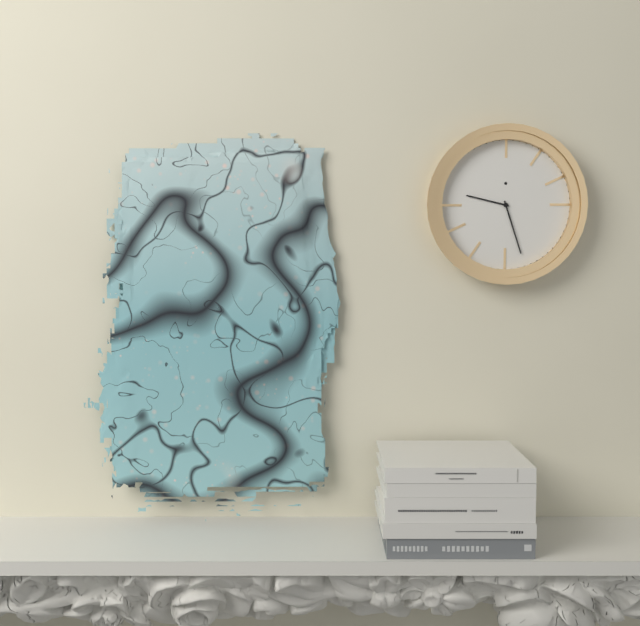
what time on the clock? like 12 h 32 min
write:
9 h 27 min
